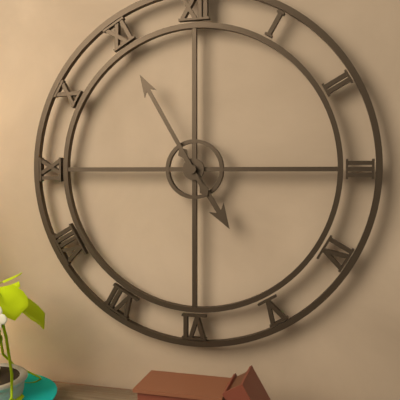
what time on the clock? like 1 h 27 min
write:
4 h 55 min
